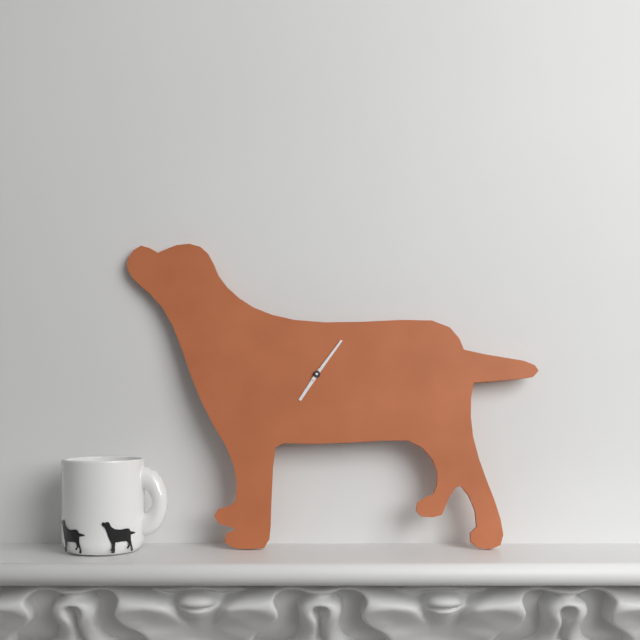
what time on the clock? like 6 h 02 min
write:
7 h 06 min
